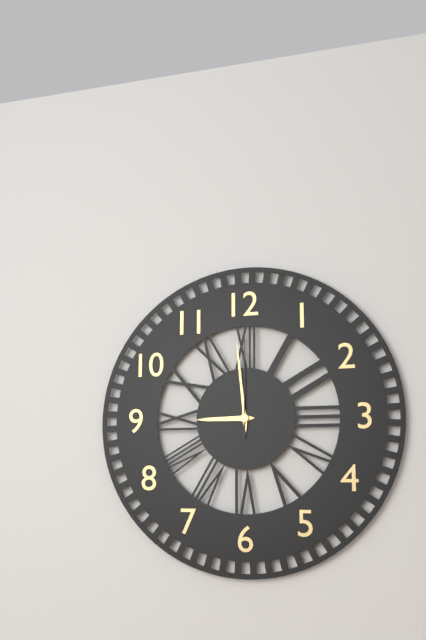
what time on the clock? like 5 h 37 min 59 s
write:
8 h 59 min 00 s
